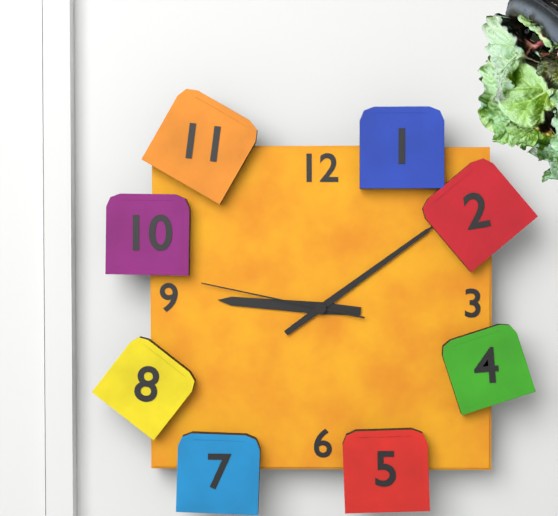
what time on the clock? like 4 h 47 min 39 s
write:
9 h 09 min 47 s
